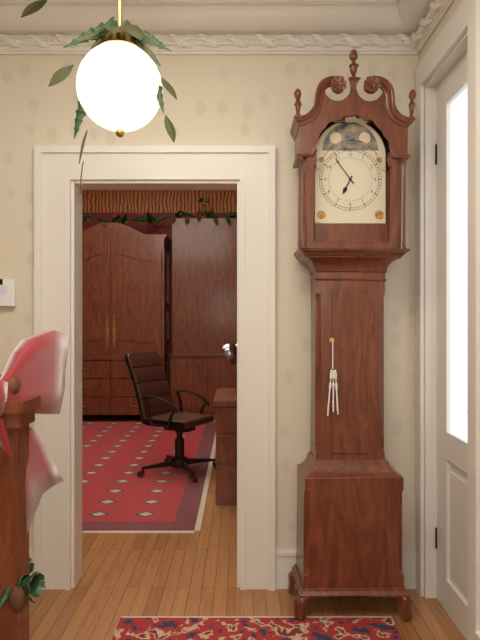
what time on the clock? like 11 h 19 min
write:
6 h 54 min
